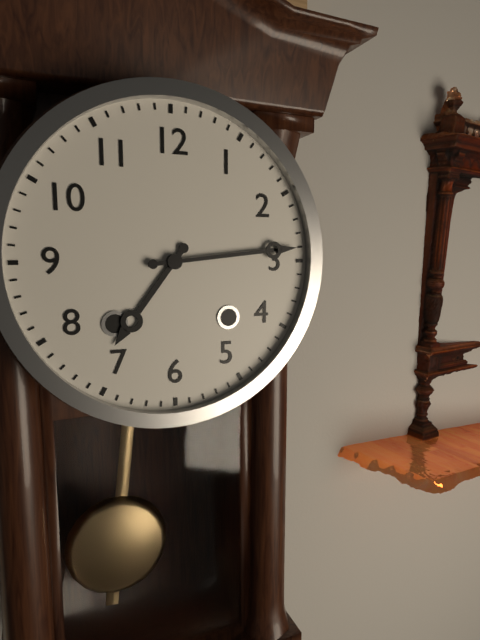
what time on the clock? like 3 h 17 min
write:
7 h 14 min
